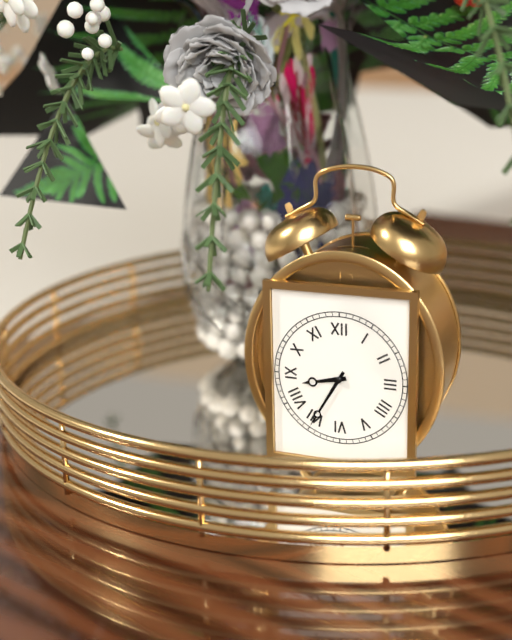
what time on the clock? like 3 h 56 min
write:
8 h 35 min
